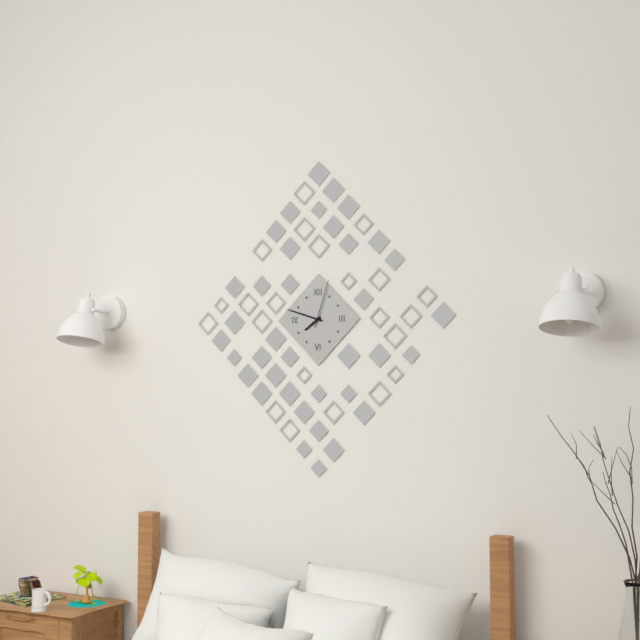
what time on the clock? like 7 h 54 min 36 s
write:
7 h 48 min 03 s
